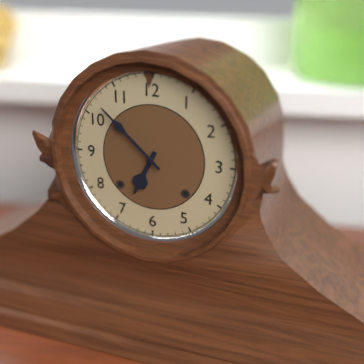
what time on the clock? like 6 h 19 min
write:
6 h 52 min
